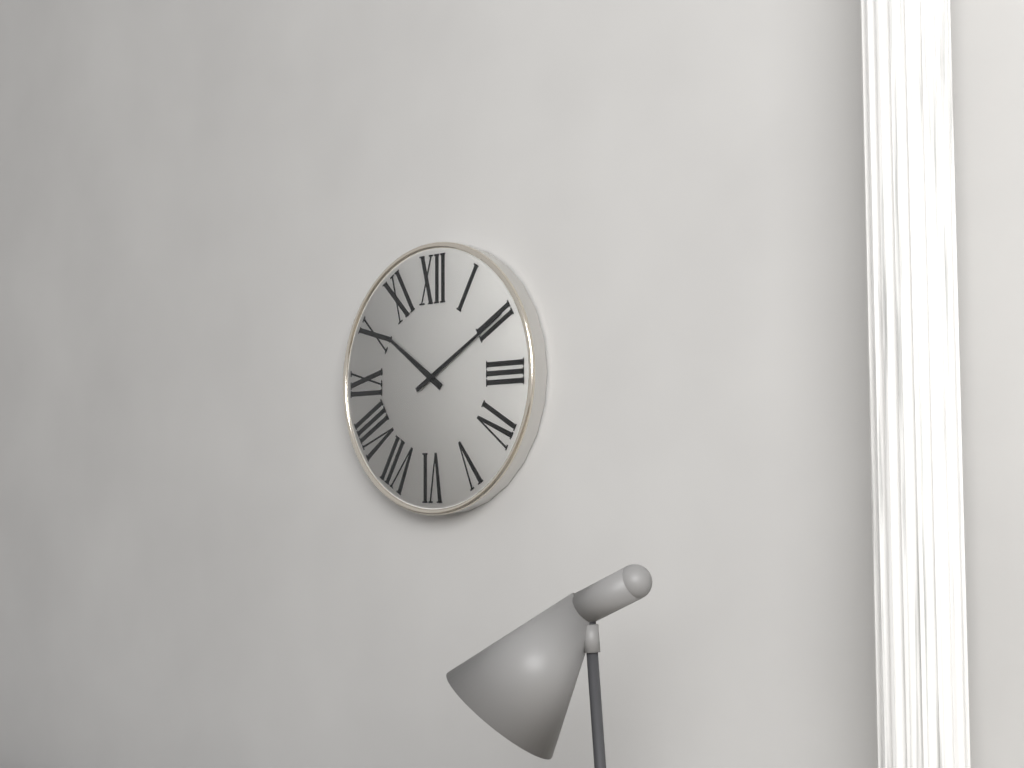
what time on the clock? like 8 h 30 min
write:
10 h 10 min
